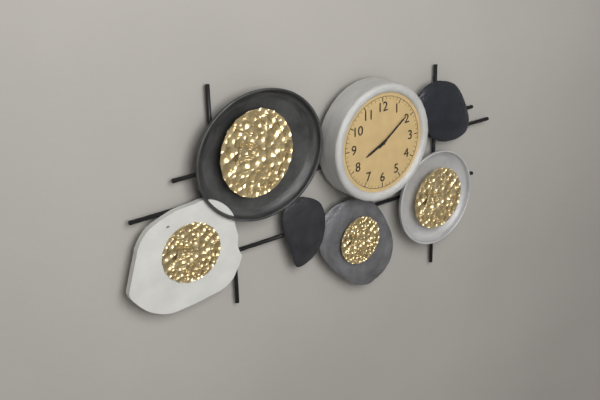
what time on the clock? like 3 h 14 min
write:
8 h 09 min
